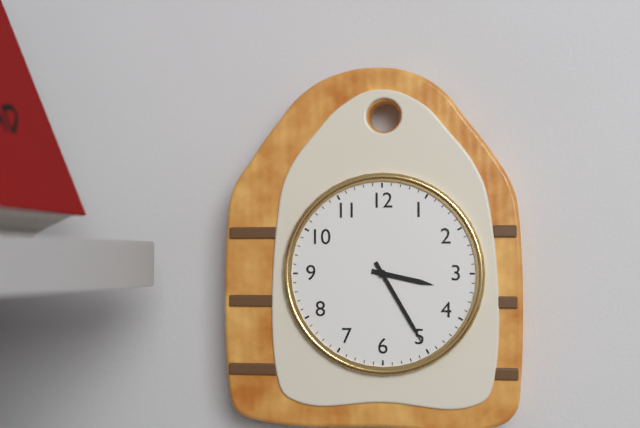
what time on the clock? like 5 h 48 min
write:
3 h 25 min
